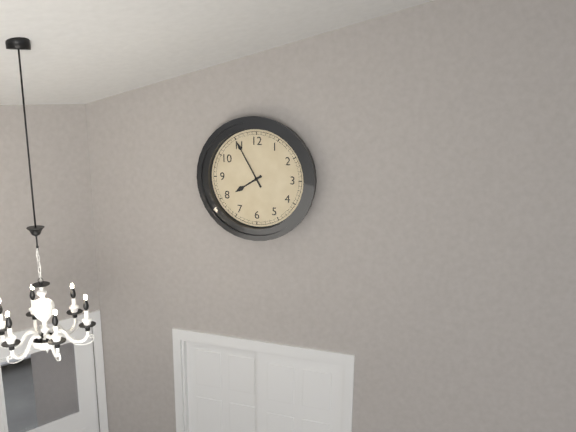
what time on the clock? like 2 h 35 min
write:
7 h 55 min
